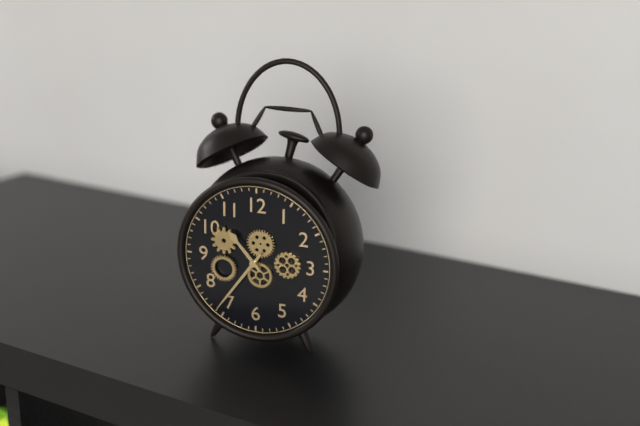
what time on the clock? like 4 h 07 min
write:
10 h 36 min
